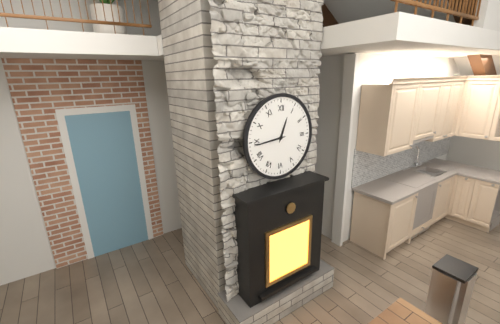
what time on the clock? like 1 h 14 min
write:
12 h 44 min
